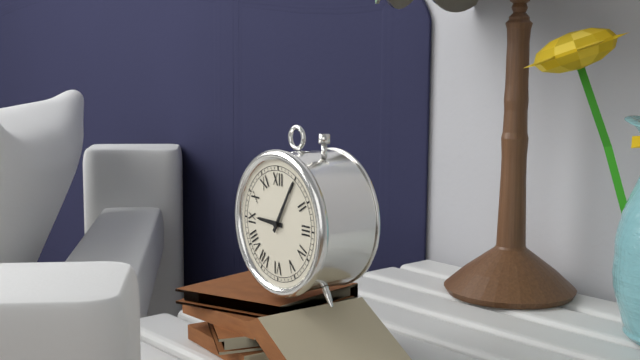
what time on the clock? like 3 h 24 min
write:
9 h 05 min
